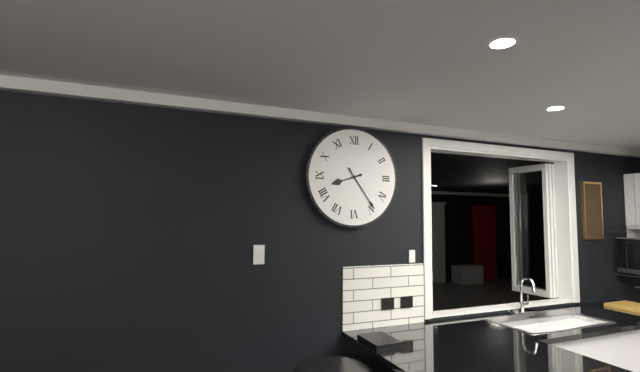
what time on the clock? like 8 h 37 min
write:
8 h 24 min
